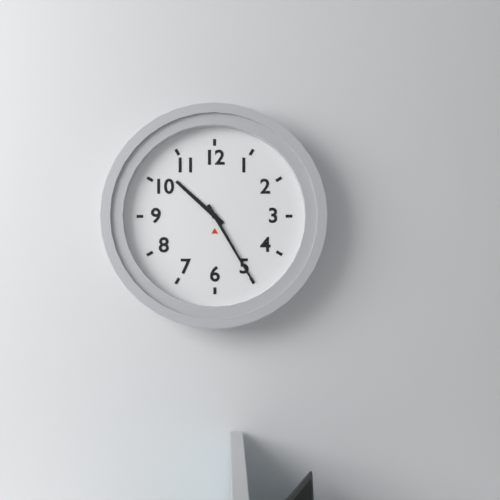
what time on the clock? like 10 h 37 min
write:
10 h 25 min
